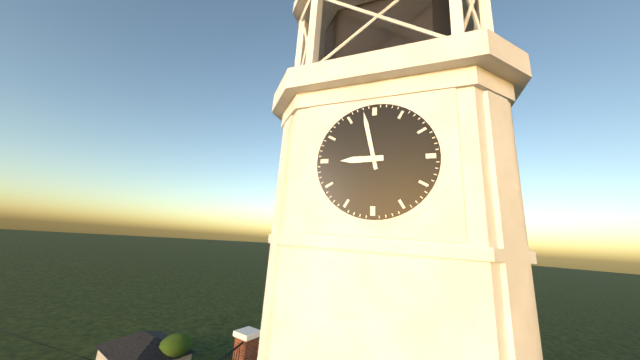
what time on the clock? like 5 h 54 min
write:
8 h 58 min
